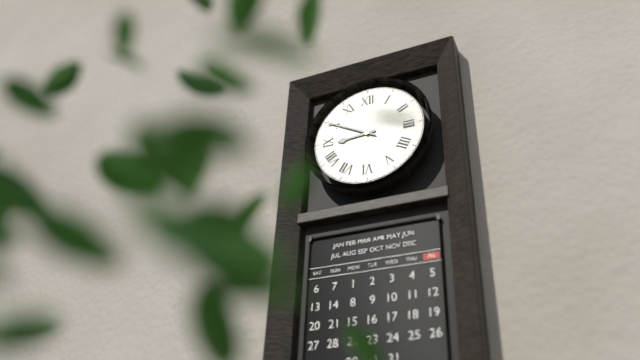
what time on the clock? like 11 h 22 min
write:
8 h 50 min
